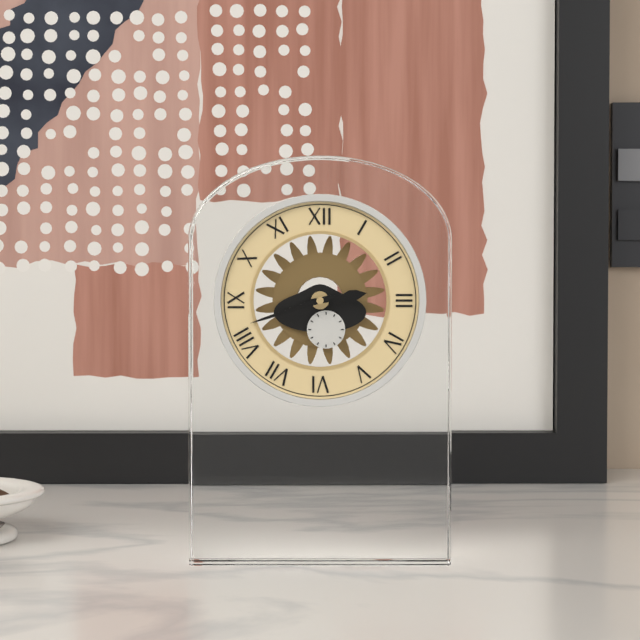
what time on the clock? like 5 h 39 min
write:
2 h 42 min
